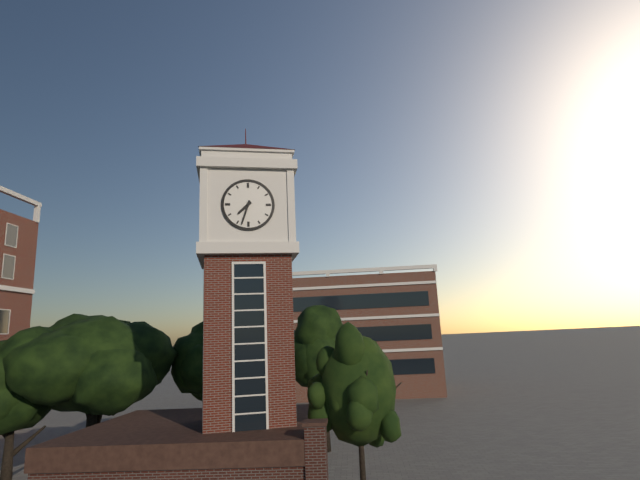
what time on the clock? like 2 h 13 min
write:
7 h 33 min
